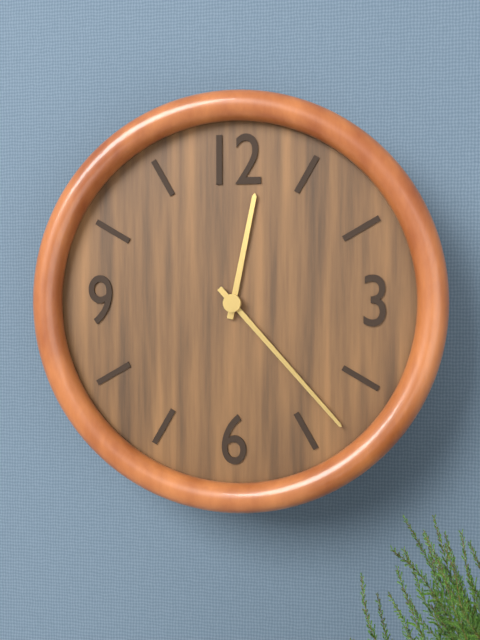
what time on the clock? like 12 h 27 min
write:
12 h 23 min
